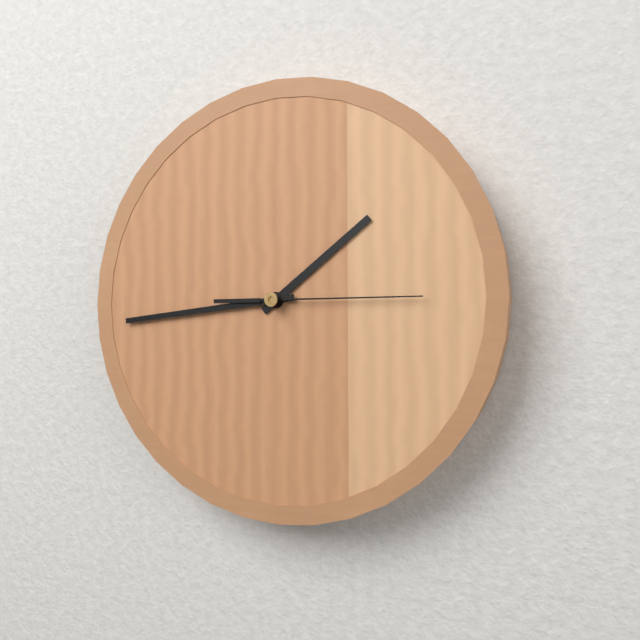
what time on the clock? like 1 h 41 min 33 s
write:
1 h 44 min 15 s
